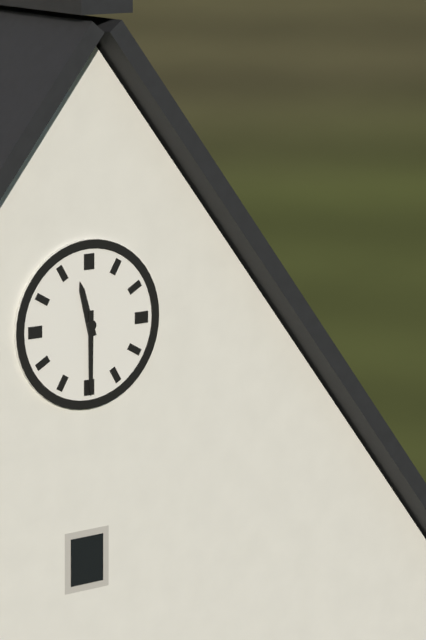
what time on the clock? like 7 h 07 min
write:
11 h 30 min
